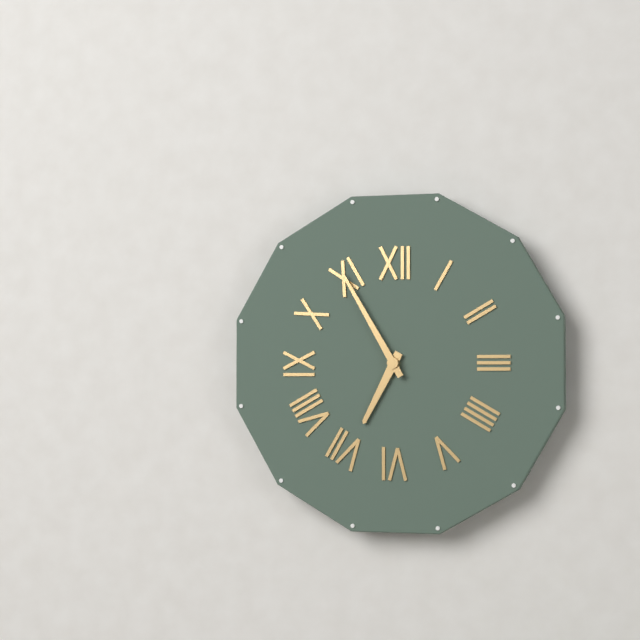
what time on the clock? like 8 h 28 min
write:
6 h 55 min
